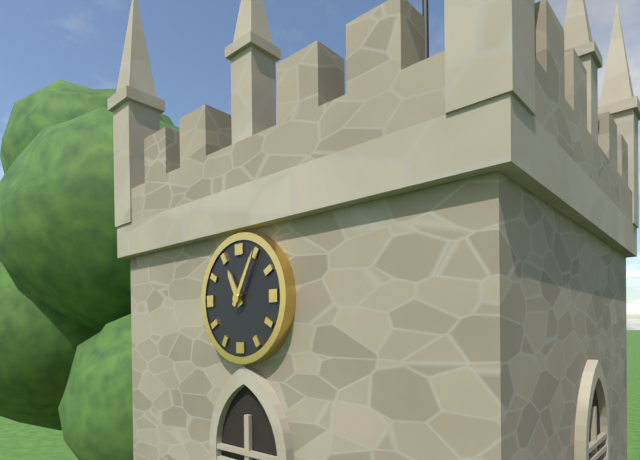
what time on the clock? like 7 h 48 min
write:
11 h 05 min
